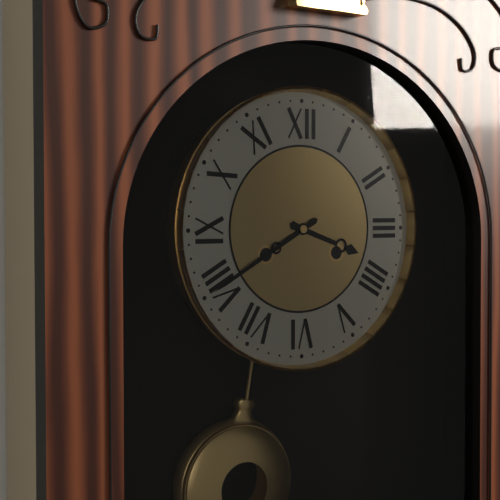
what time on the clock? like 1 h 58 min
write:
3 h 40 min
